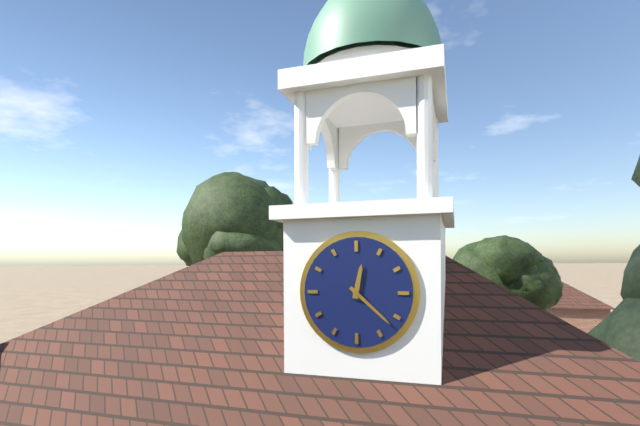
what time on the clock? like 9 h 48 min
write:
12 h 22 min
